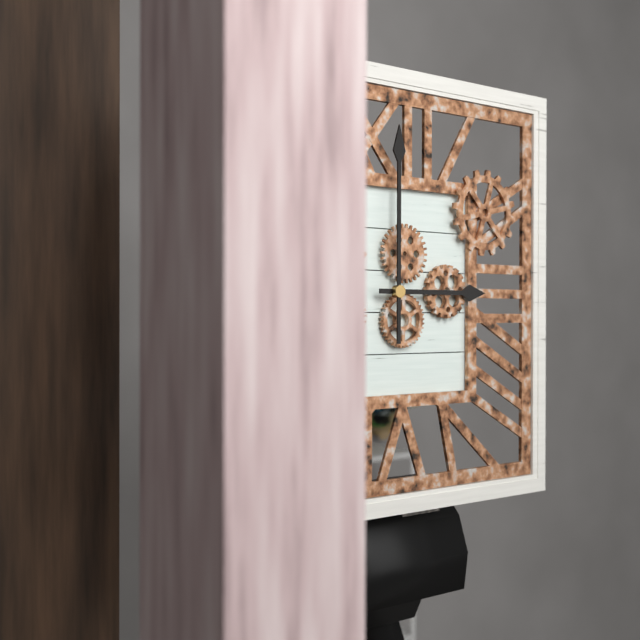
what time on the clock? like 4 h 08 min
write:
3 h 00 min
